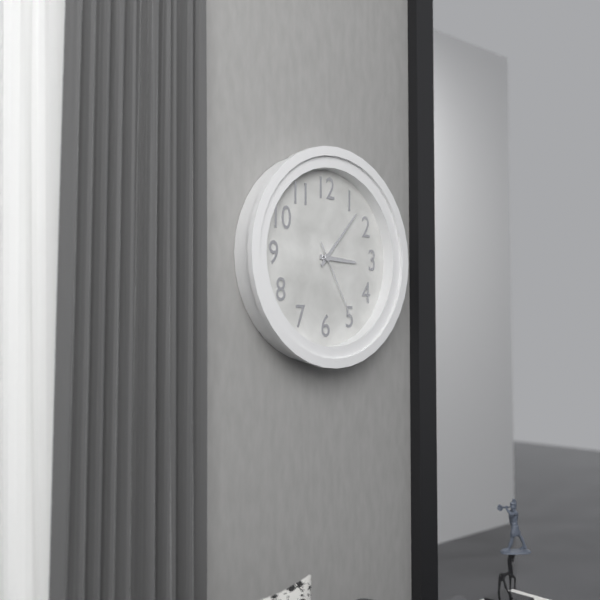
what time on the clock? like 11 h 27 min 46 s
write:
3 h 07 min 25 s
